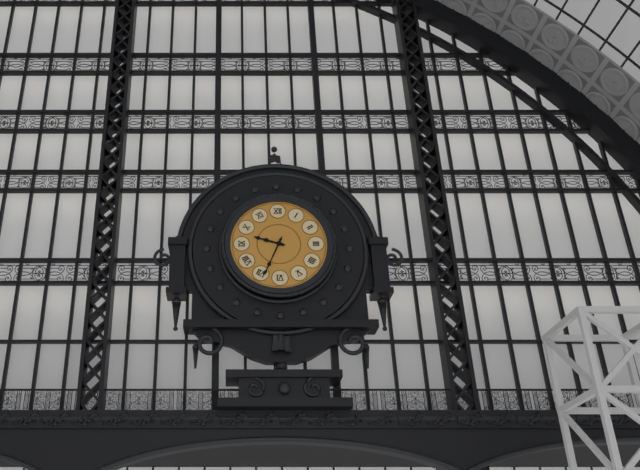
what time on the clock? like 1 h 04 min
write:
9 h 34 min
